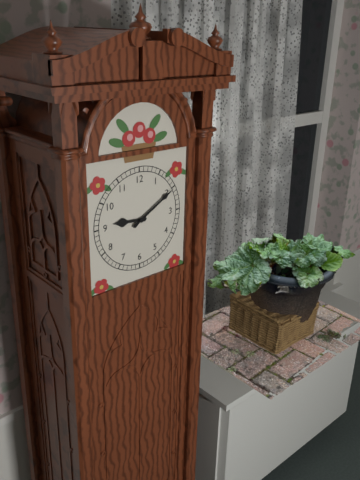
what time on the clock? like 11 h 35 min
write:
9 h 10 min
